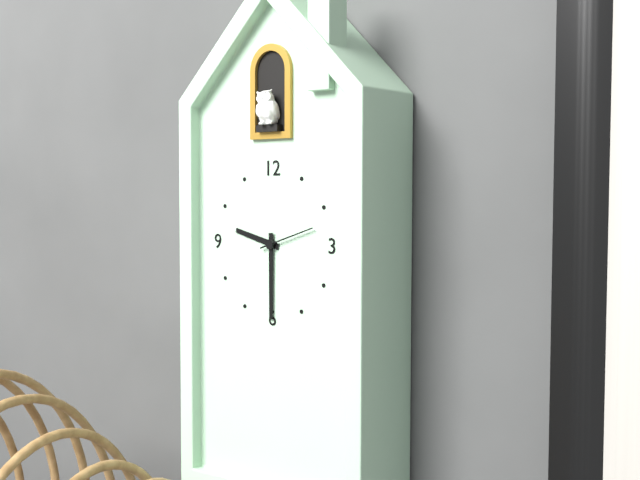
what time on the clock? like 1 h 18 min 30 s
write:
9 h 30 min 12 s
